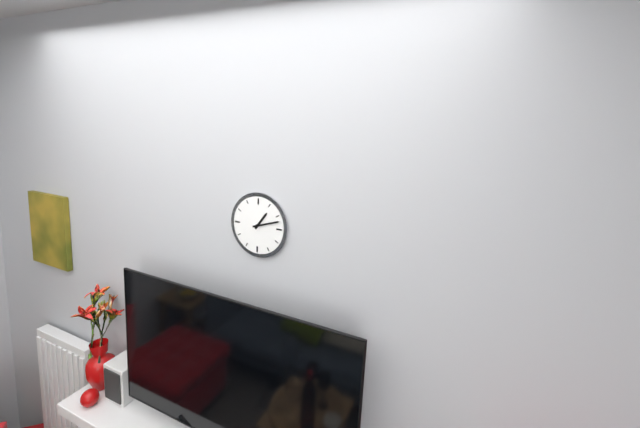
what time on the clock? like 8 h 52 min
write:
1 h 12 min
